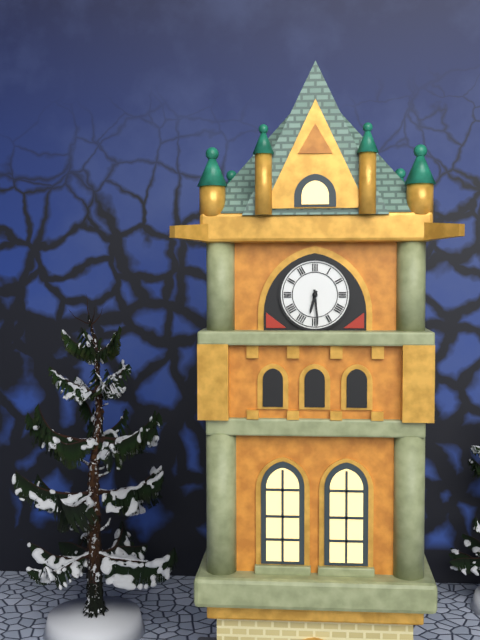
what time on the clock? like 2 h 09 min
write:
6 h 29 min
